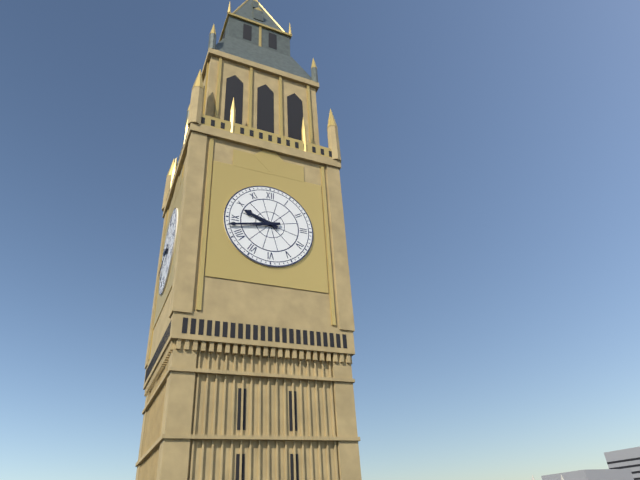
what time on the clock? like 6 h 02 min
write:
9 h 43 min
